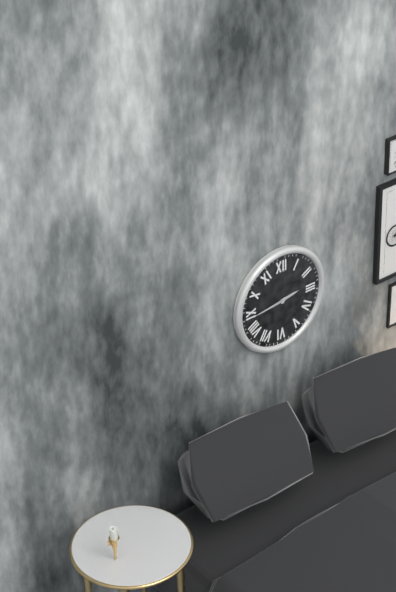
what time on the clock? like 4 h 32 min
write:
2 h 44 min
